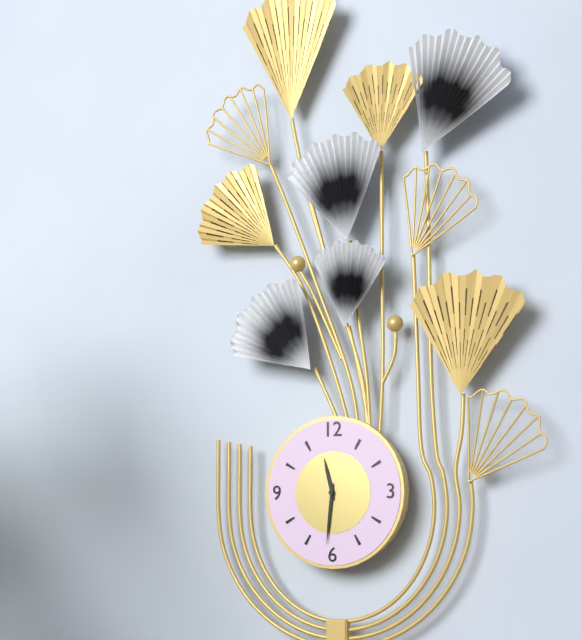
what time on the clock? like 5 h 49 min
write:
11 h 31 min
